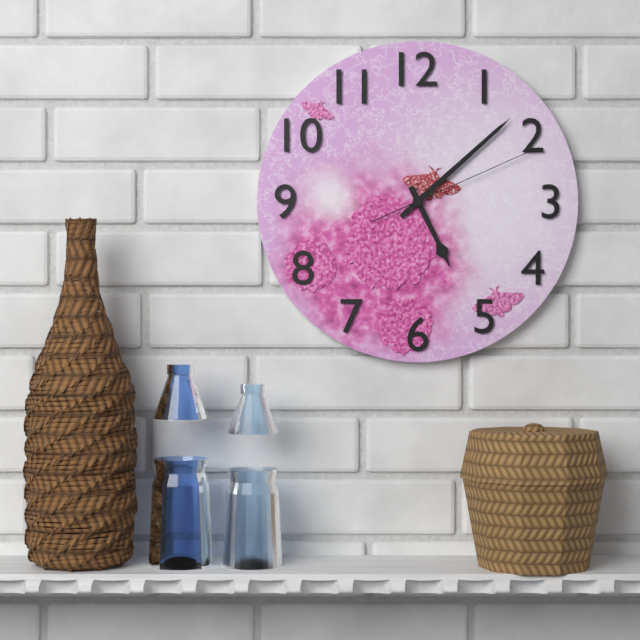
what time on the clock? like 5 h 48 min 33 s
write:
5 h 08 min 11 s
